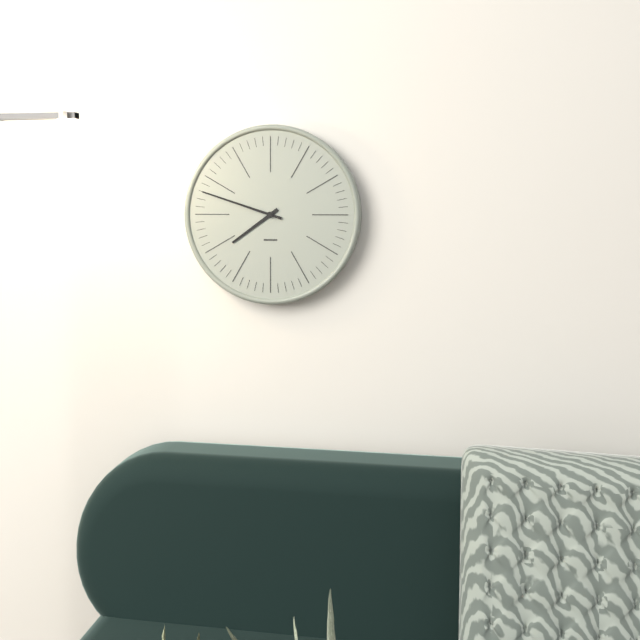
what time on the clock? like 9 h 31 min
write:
7 h 48 min
